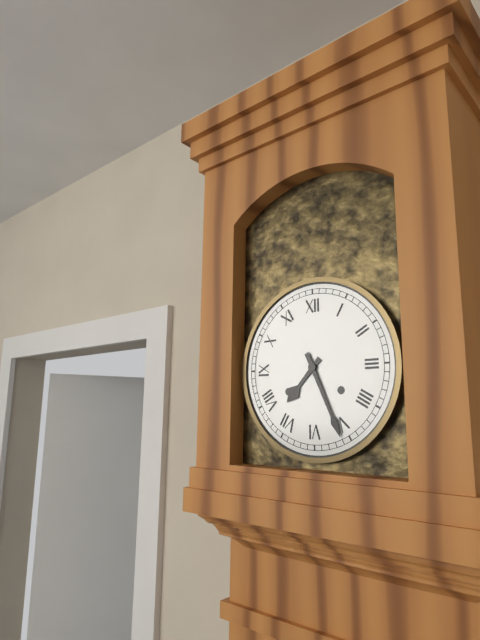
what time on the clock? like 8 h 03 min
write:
7 h 26 min
